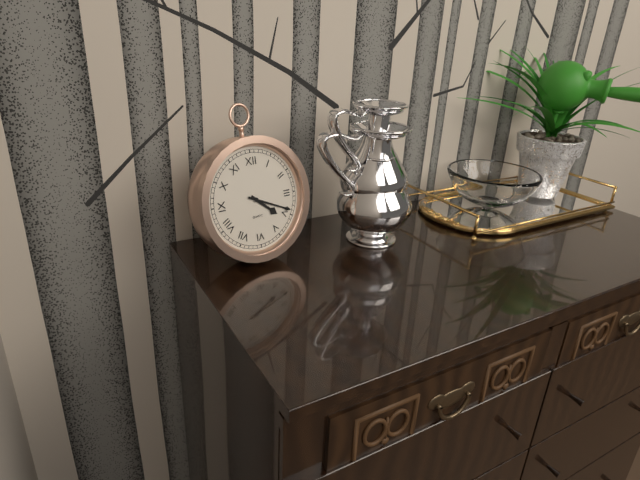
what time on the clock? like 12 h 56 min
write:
4 h 19 min
